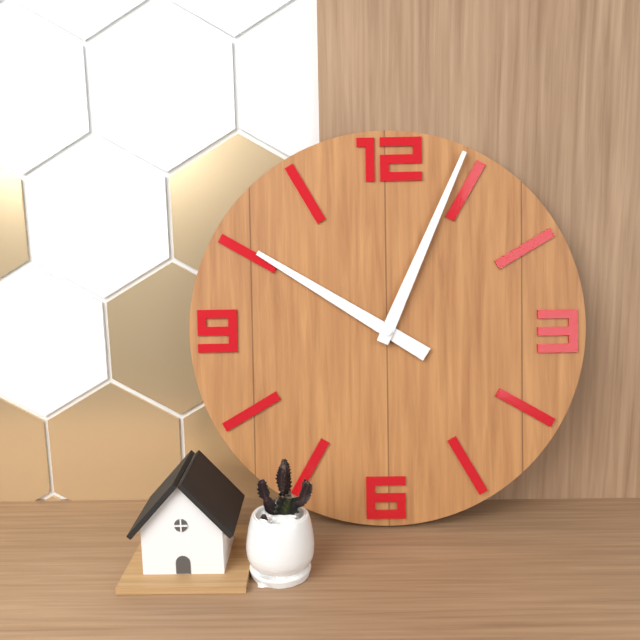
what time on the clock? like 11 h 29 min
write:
10 h 04 min
